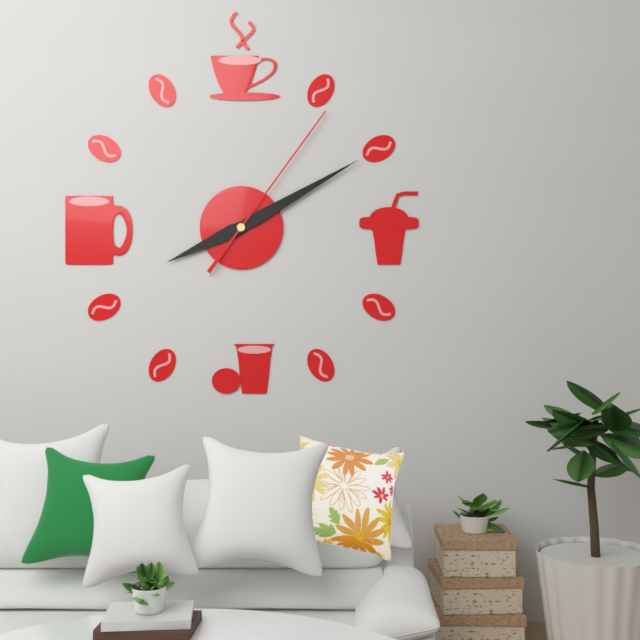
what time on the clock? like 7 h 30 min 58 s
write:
8 h 10 min 06 s
